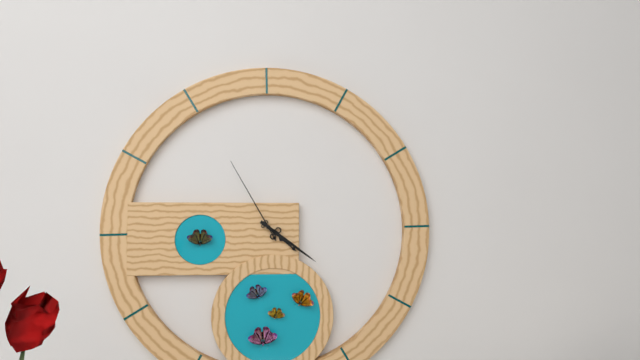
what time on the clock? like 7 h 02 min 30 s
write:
4 h 21 min 55 s
